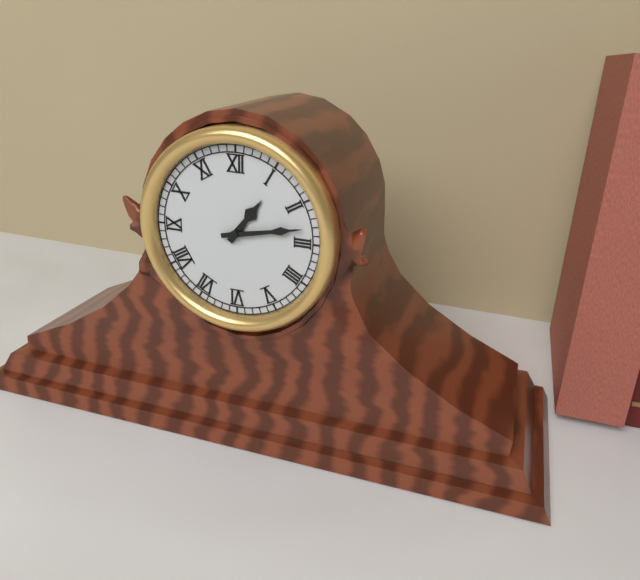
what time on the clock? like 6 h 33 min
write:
1 h 13 min
